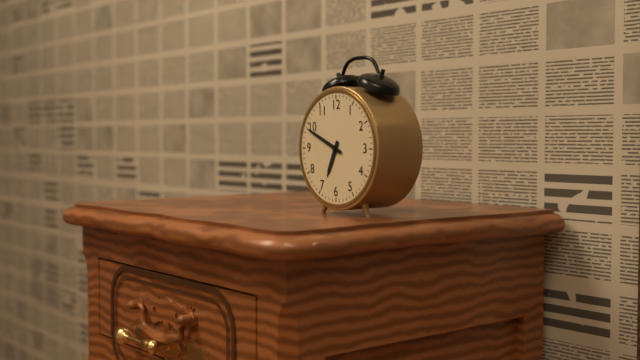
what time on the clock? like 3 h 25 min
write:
6 h 49 min
